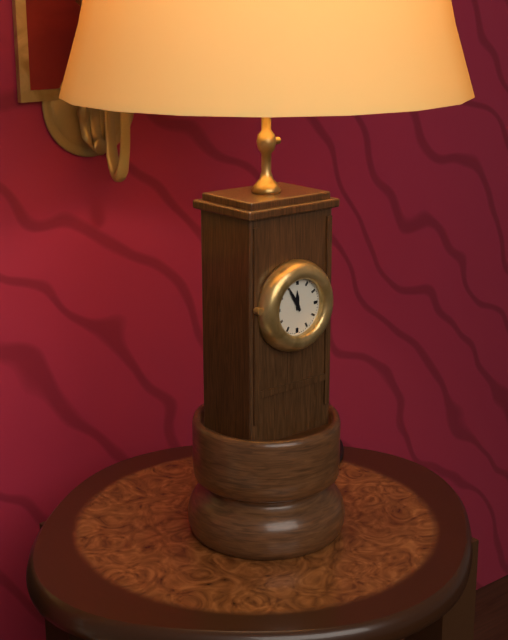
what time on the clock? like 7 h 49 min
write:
11 h 55 min
